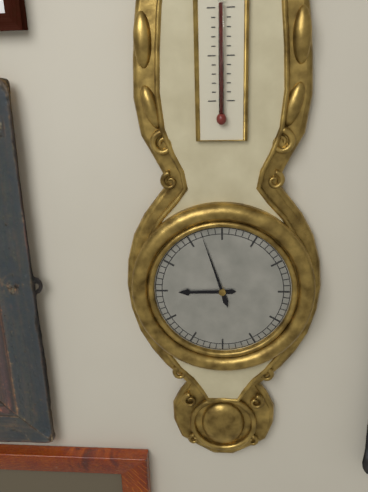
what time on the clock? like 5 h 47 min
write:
8 h 57 min
